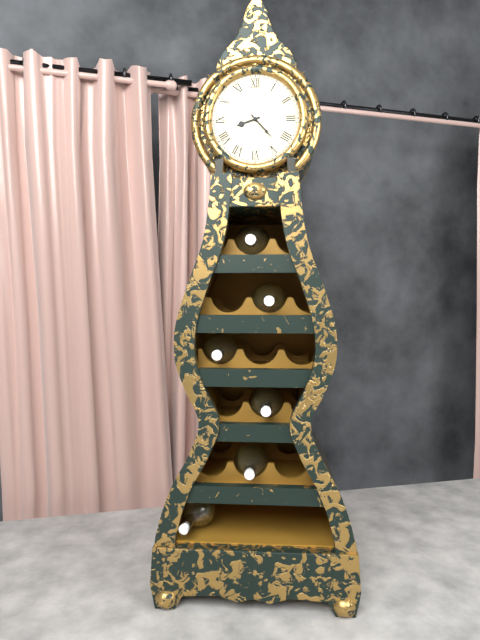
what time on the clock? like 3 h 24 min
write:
8 h 23 min
